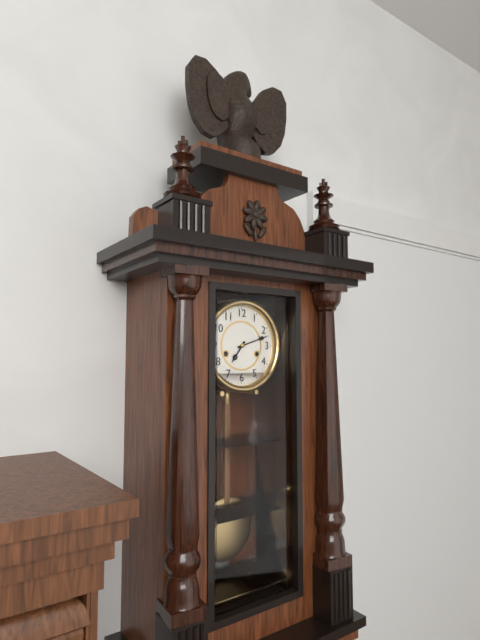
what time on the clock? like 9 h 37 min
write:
7 h 12 min
